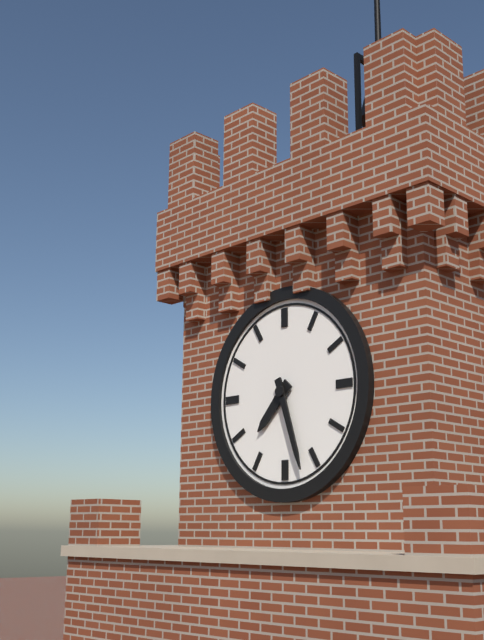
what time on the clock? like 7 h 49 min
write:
7 h 27 min
